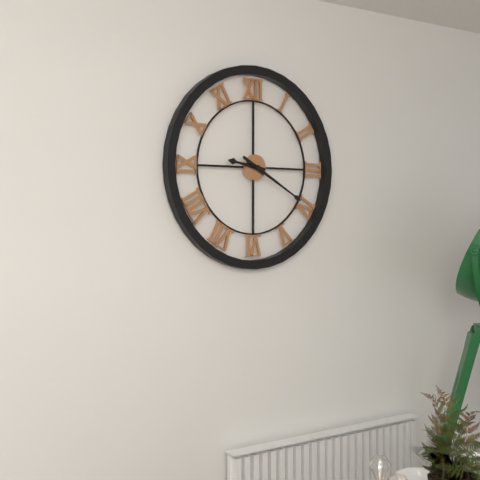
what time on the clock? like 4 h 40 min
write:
9 h 20 min
